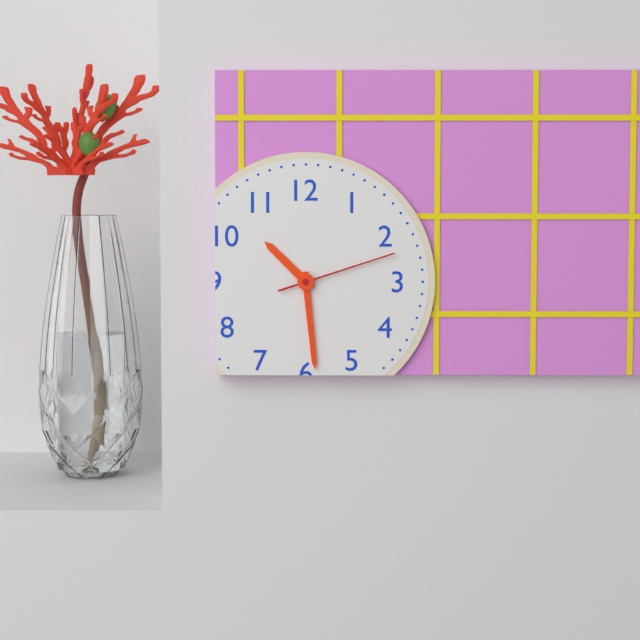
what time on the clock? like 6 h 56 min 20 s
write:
10 h 29 min 12 s
